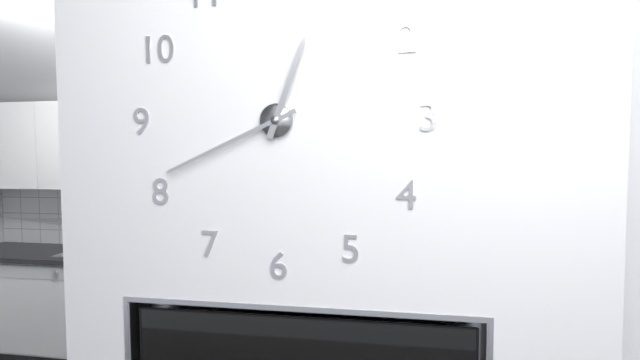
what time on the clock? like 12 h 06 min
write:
12 h 41 min
